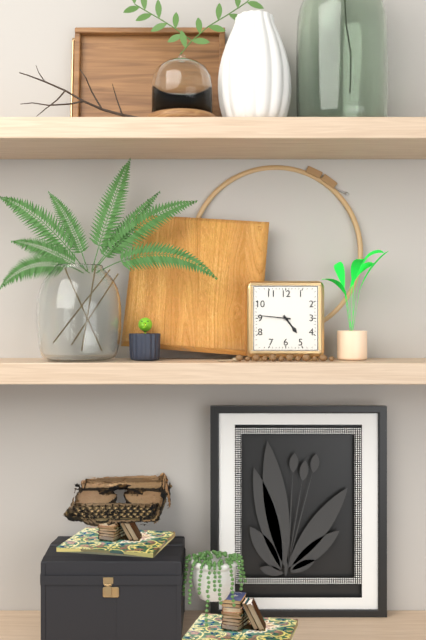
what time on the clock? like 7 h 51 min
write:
4 h 46 min
